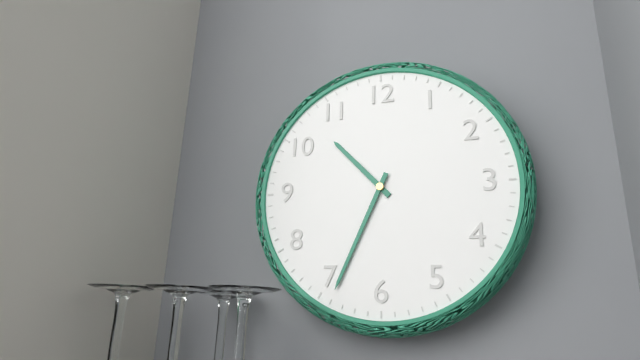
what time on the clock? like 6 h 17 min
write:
10 h 34 min
